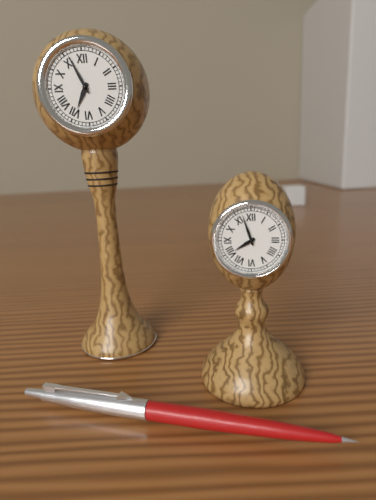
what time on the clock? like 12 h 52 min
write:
6 h 56 min
